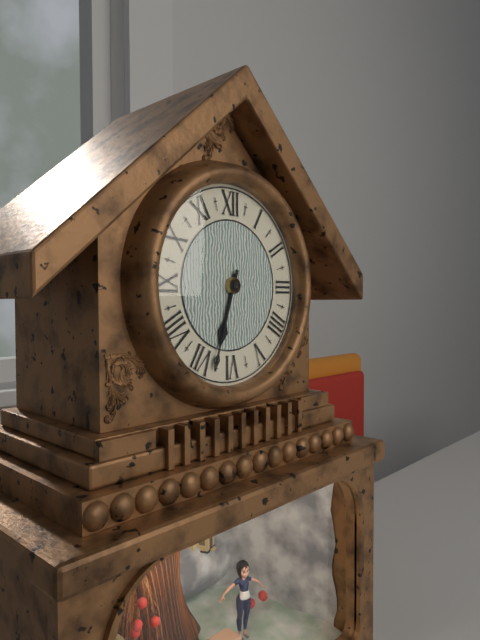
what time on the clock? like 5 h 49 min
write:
6 h 33 min
